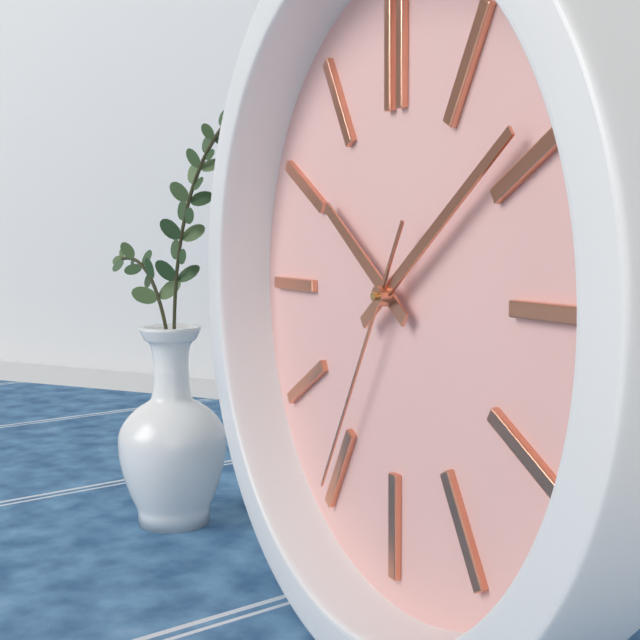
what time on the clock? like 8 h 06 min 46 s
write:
10 h 09 min 35 s
